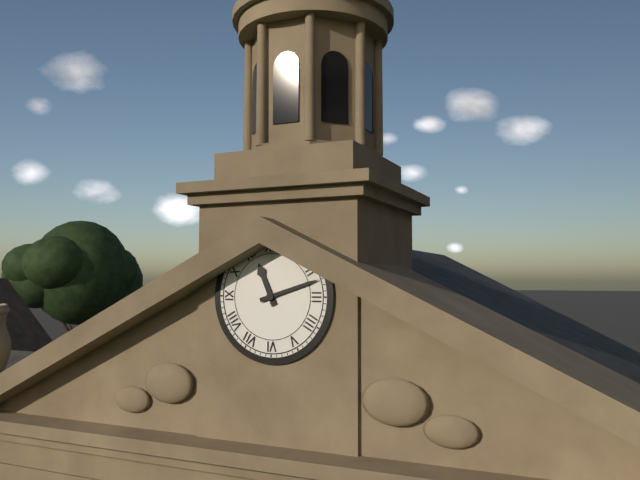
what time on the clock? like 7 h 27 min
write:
11 h 12 min
